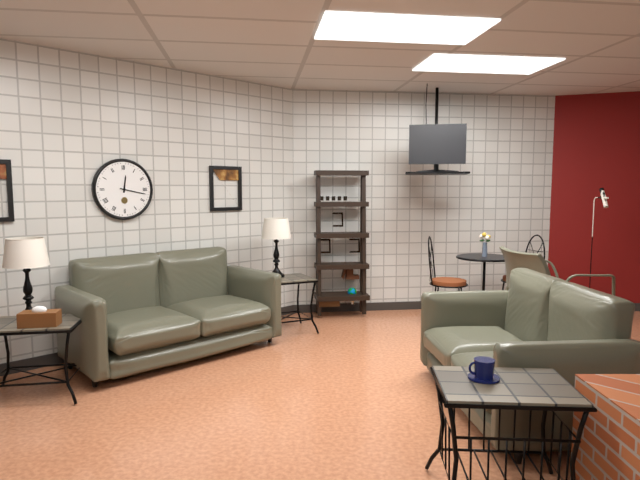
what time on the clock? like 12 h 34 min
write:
12 h 17 min
